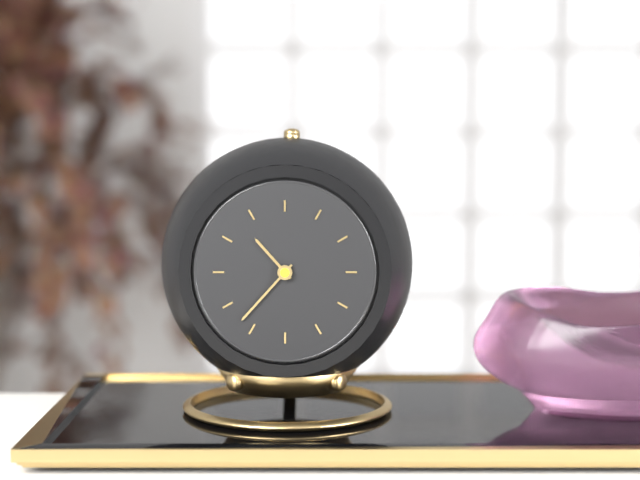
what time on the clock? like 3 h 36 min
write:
10 h 37 min
